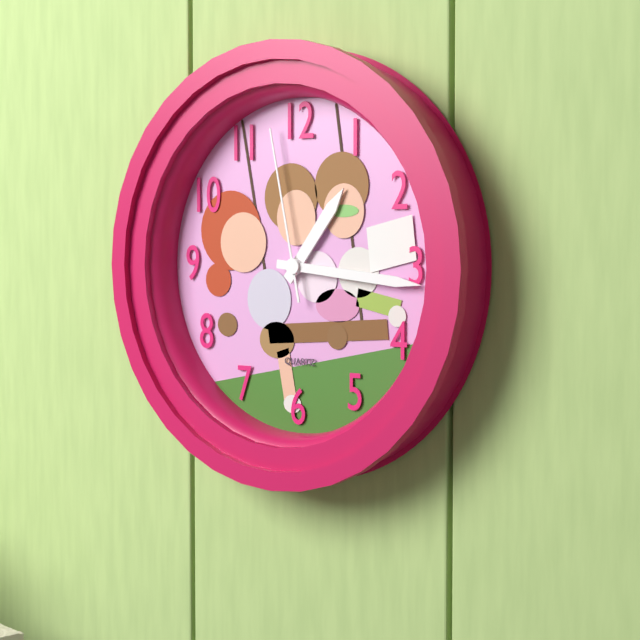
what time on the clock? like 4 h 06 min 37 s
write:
1 h 16 min 58 s
